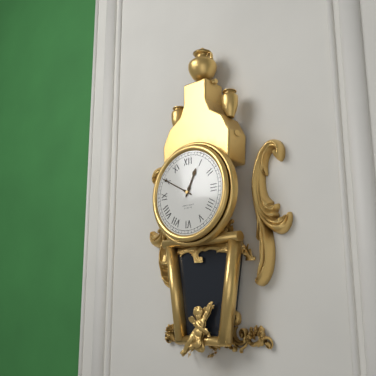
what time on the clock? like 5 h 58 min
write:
12 h 50 min
